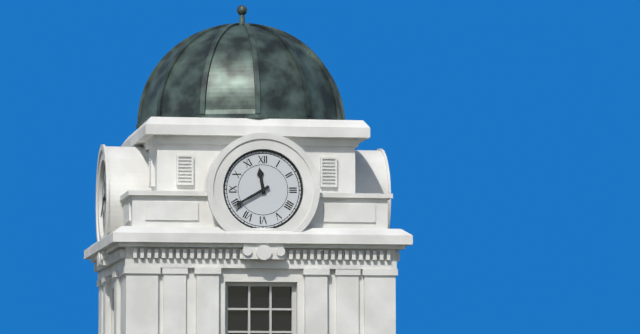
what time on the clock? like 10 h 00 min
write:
11 h 40 min
